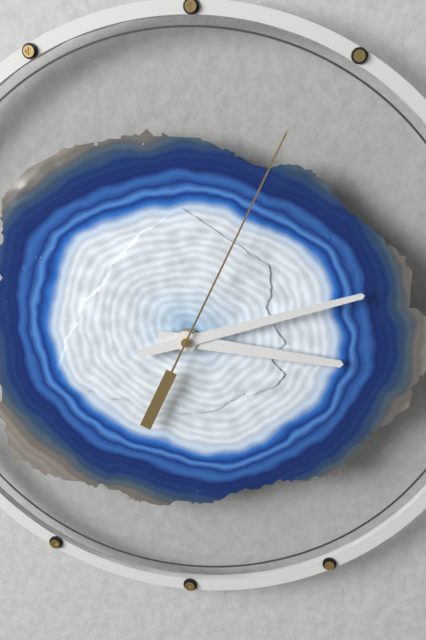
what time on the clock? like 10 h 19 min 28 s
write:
3 h 12 min 04 s
